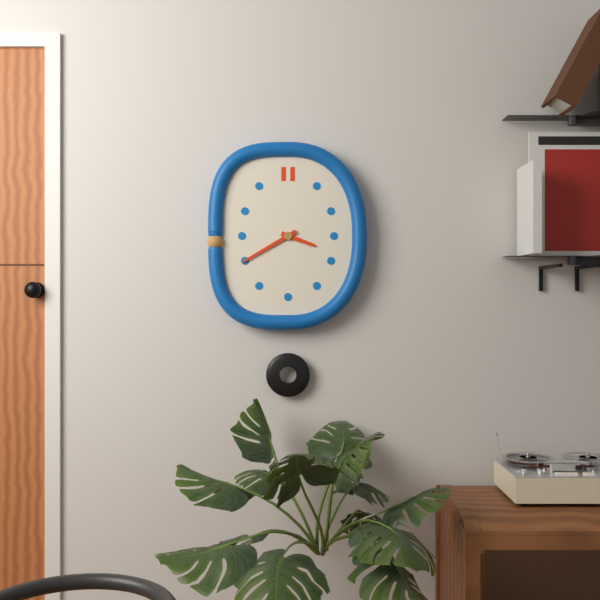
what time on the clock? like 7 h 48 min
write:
3 h 40 min
